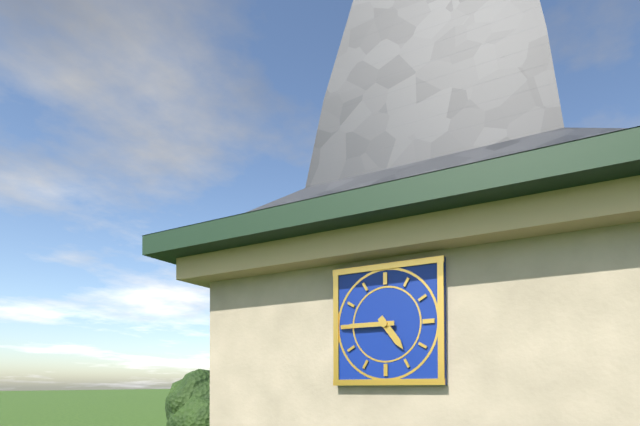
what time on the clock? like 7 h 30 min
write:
4 h 45 min
